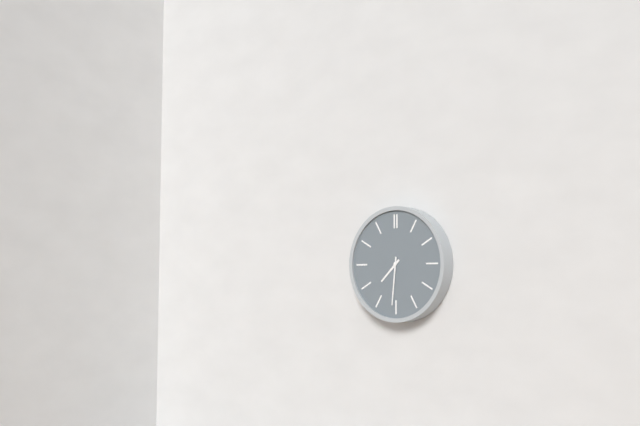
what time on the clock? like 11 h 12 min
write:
7 h 31 min
